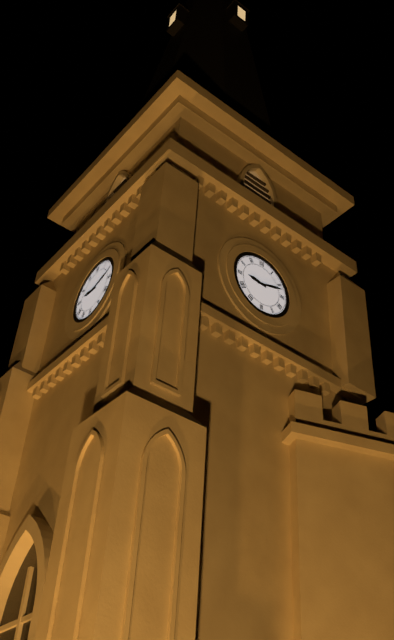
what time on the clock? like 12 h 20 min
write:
9 h 12 min
